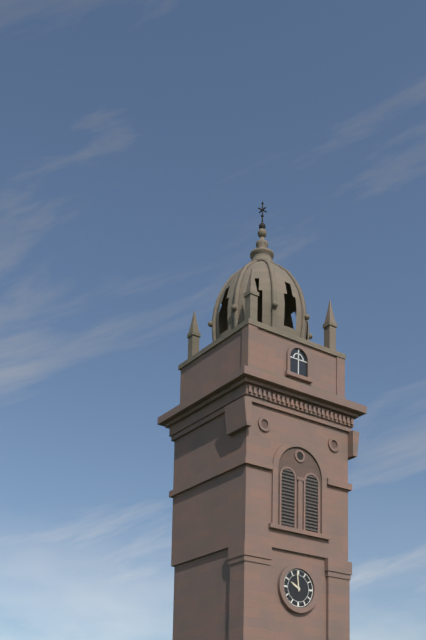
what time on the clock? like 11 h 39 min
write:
9 h 59 min
